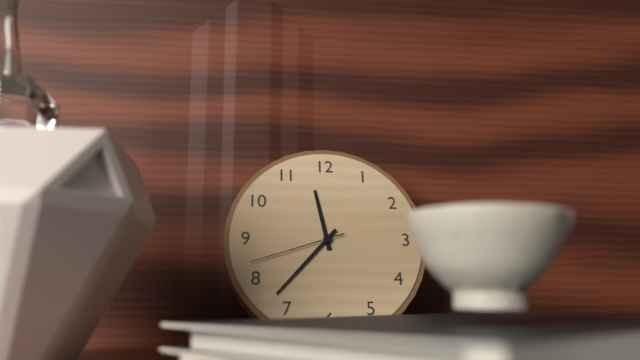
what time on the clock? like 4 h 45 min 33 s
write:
11 h 37 min 42 s
